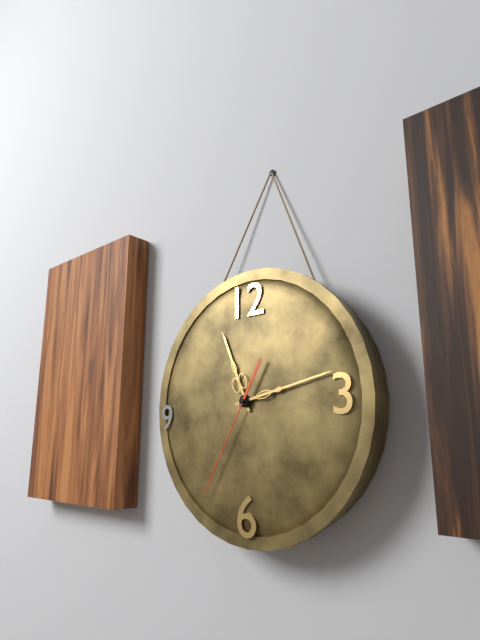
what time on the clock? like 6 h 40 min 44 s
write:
11 h 13 min 35 s
